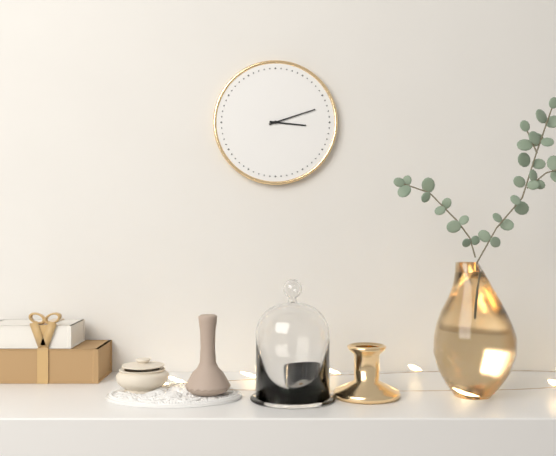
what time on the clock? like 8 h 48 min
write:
3 h 12 min
